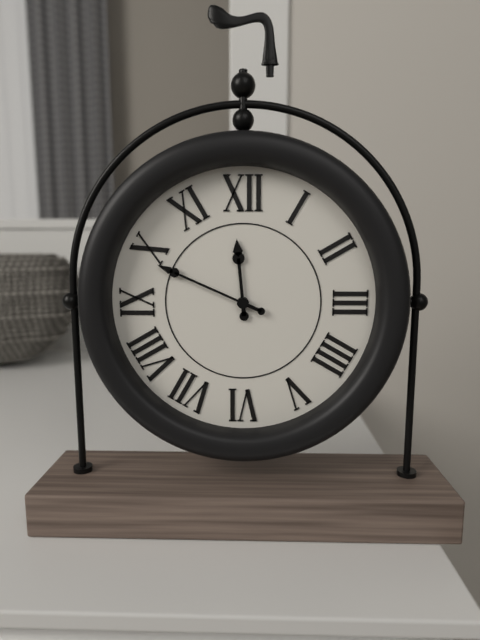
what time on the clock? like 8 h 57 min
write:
11 h 49 min
